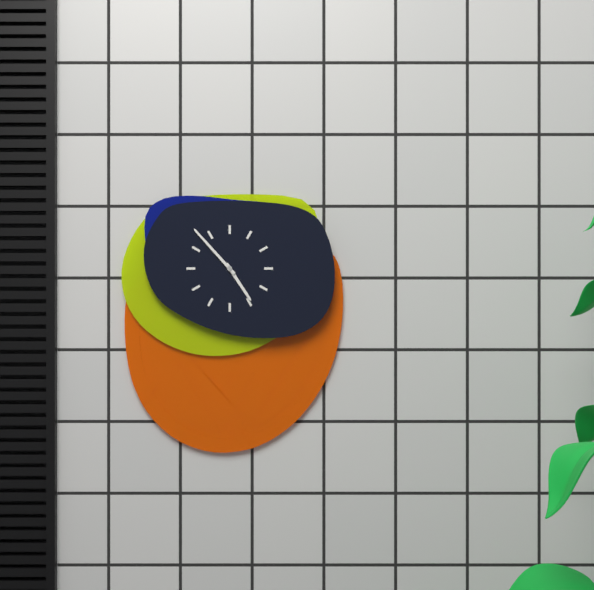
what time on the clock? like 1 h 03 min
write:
4 h 53 min
